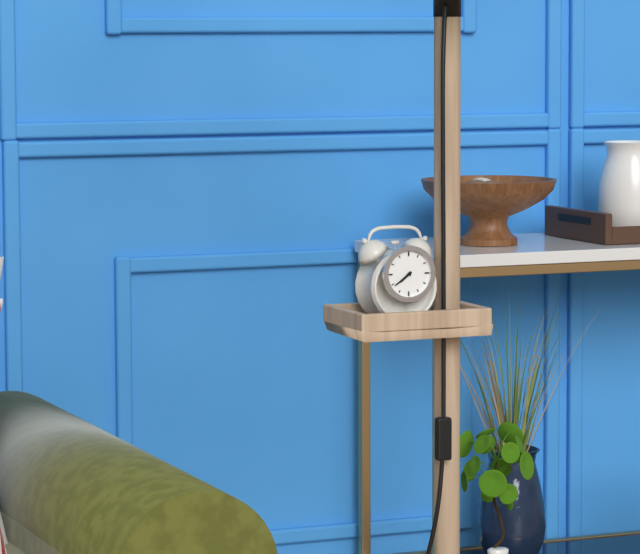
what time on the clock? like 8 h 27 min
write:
7 h 39 min
